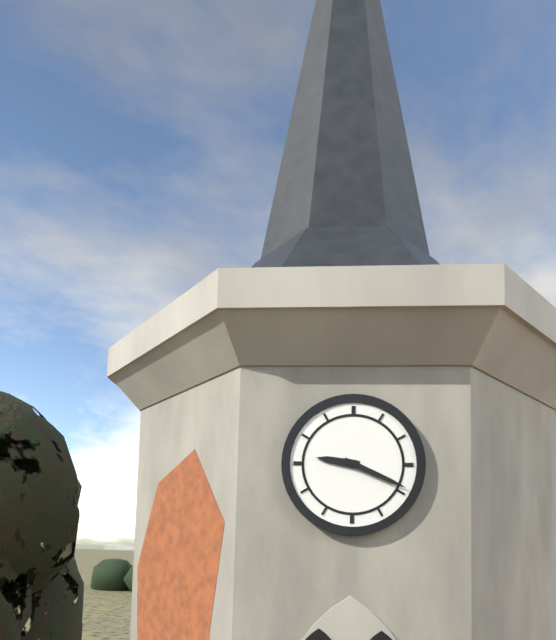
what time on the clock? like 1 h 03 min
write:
9 h 19 min
